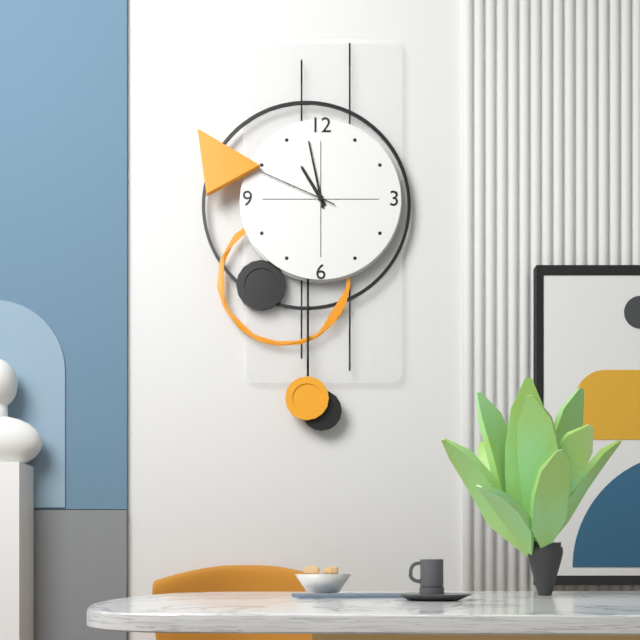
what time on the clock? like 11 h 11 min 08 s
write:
10 h 58 min 49 s
